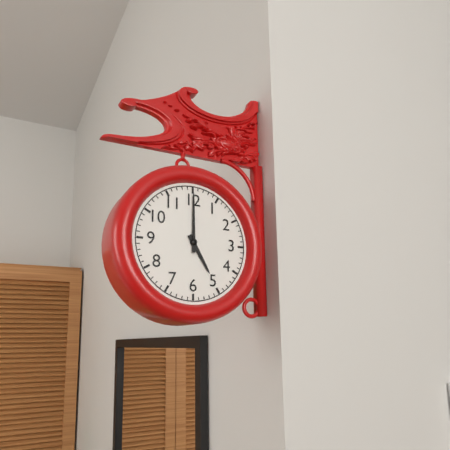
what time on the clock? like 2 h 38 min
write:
5 h 00 min
